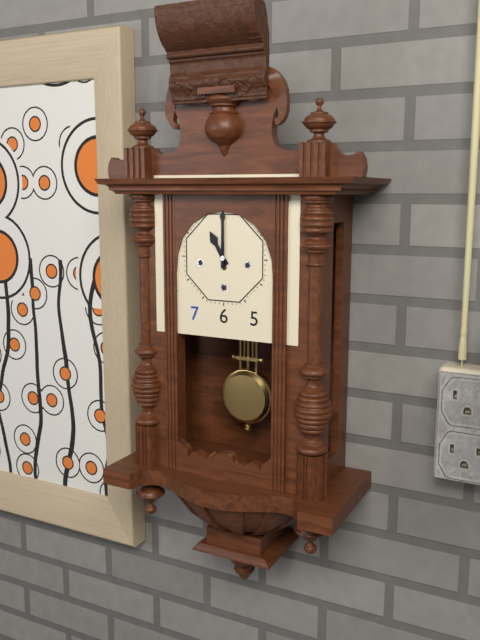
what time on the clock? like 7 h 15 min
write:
11 h 00 min
